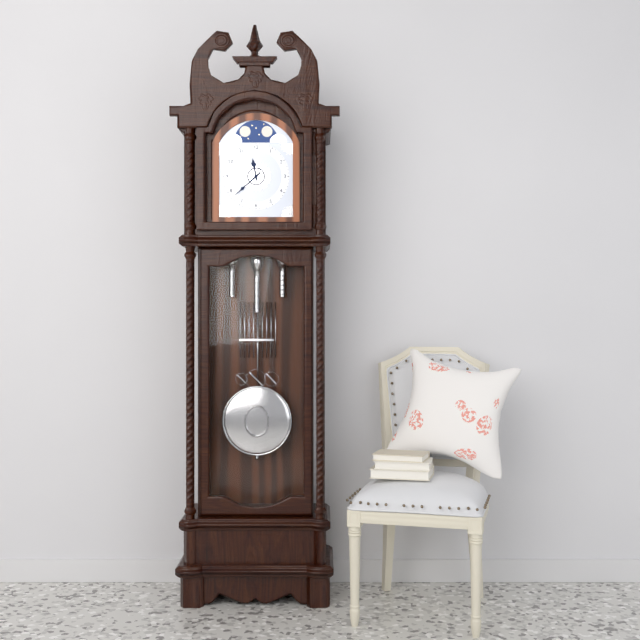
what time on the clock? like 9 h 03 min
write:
11 h 38 min
